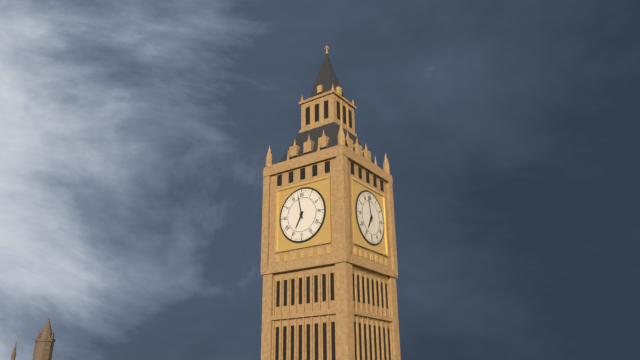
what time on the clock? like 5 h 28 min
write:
6 h 58 min
